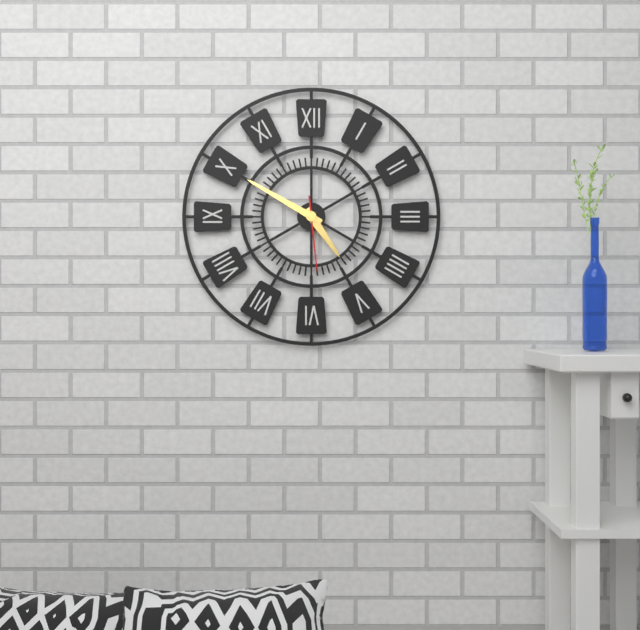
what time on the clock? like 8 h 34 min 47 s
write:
4 h 50 min 29 s
